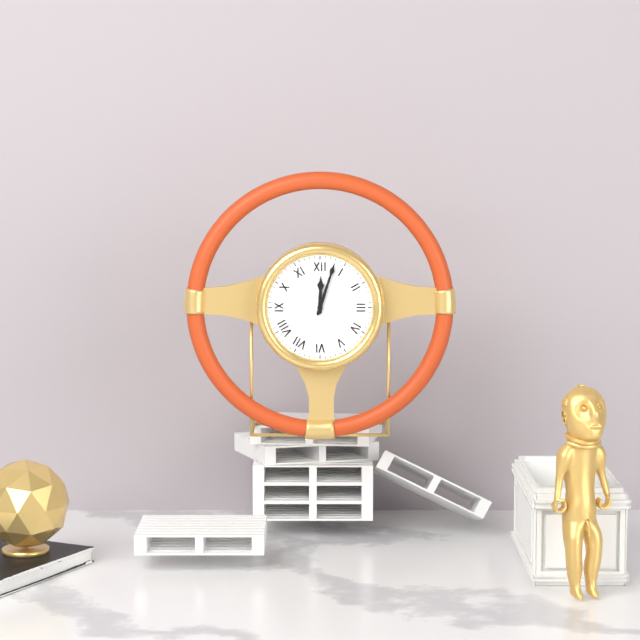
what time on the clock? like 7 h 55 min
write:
12 h 03 min
